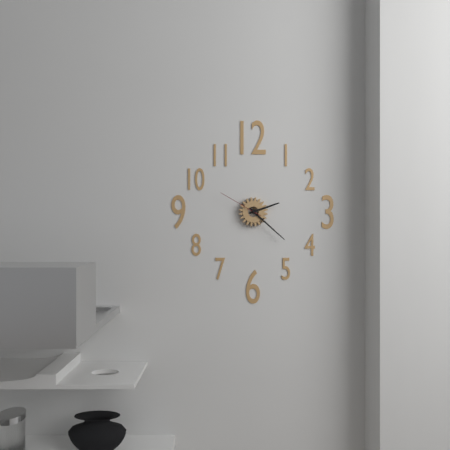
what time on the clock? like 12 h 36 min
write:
2 h 22 min
